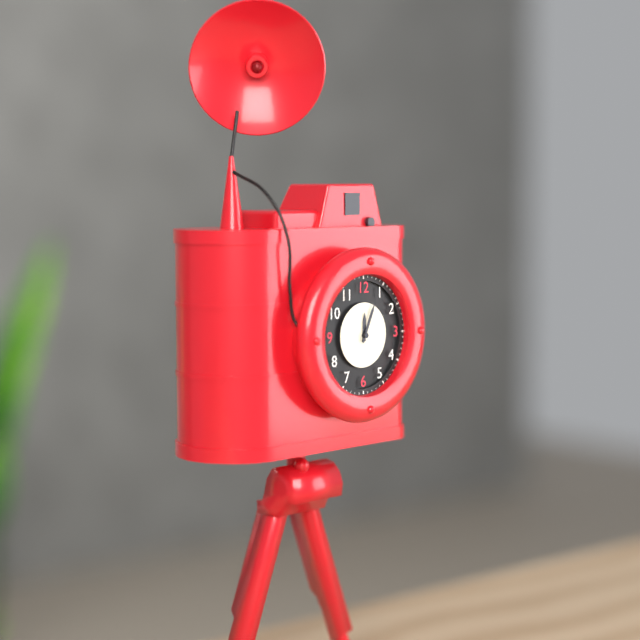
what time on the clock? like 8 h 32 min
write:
12 h 04 min
